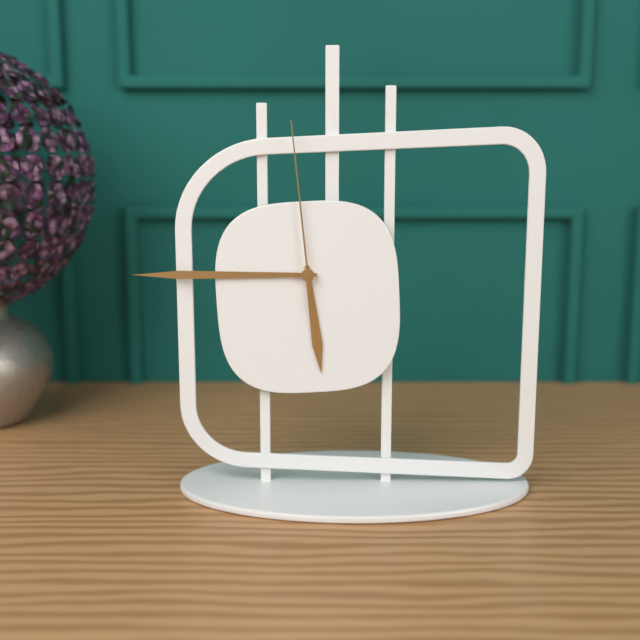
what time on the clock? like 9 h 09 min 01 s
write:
5 h 45 min 59 s
